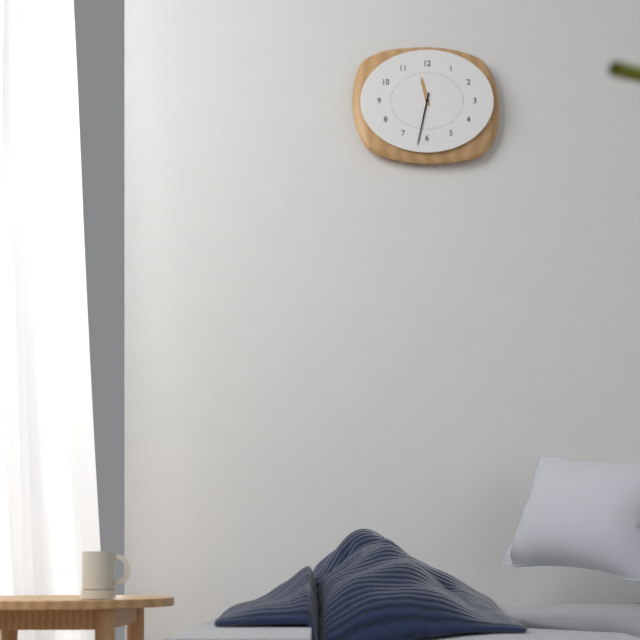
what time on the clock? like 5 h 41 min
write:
11 h 32 min
